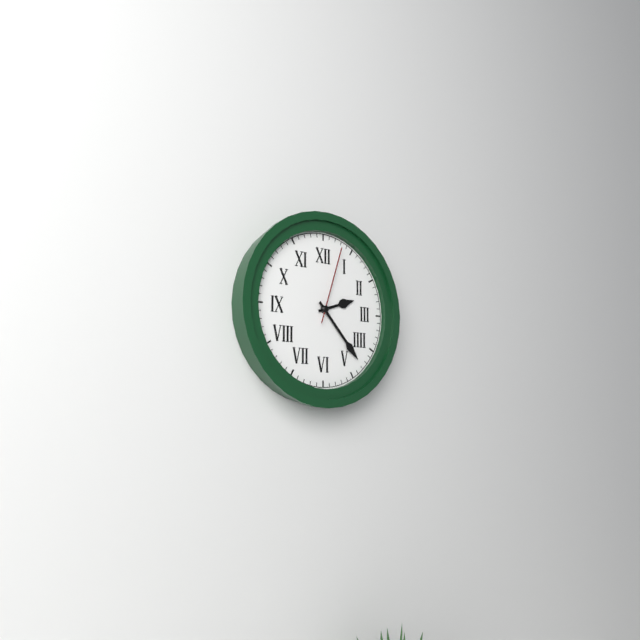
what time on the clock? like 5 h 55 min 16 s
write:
2 h 23 min 03 s
